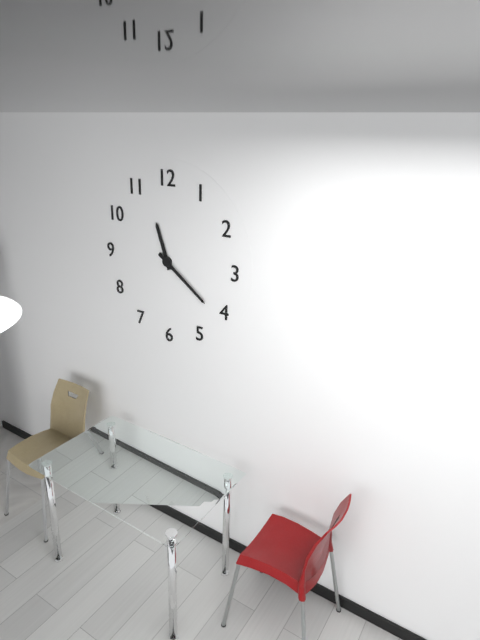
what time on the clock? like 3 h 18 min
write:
11 h 21 min
